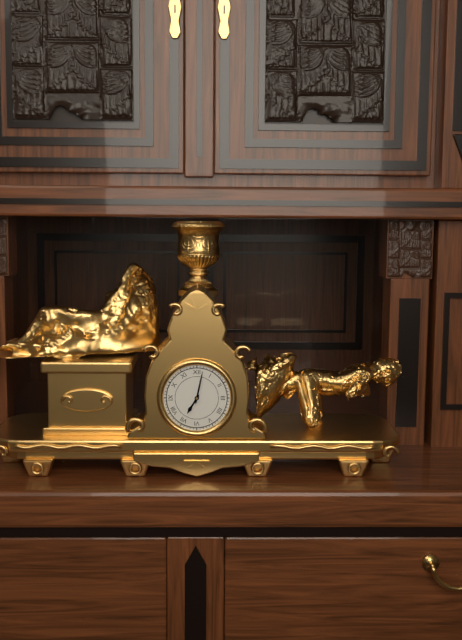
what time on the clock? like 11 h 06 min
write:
7 h 02 min
